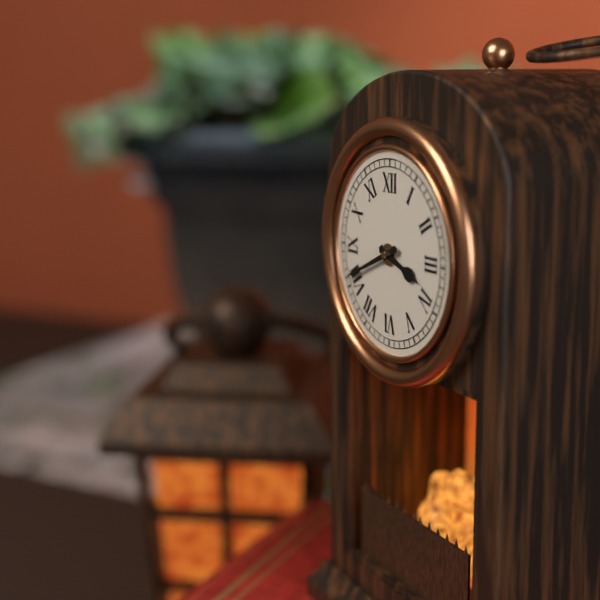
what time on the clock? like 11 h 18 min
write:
3 h 41 min
